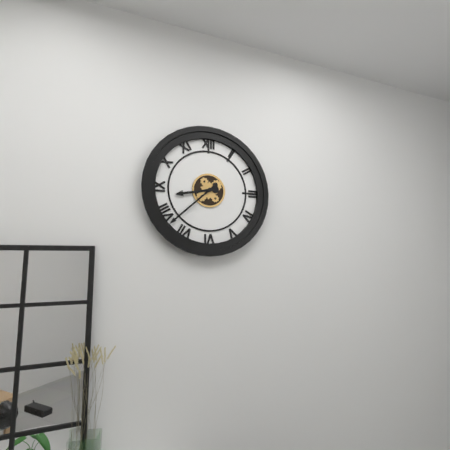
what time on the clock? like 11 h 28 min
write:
8 h 38 min
